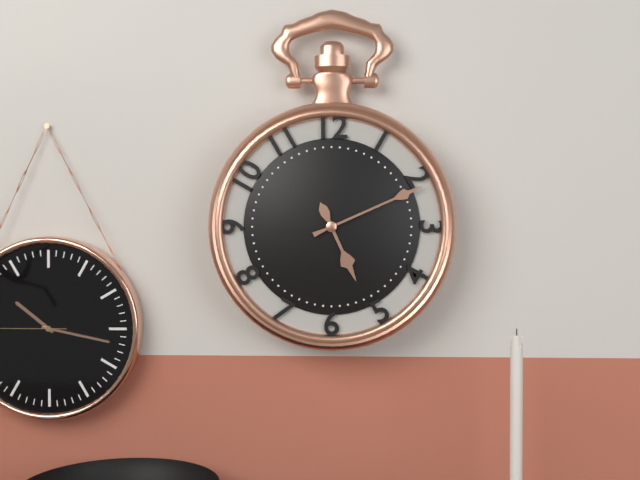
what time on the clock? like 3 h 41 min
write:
5 h 11 min
